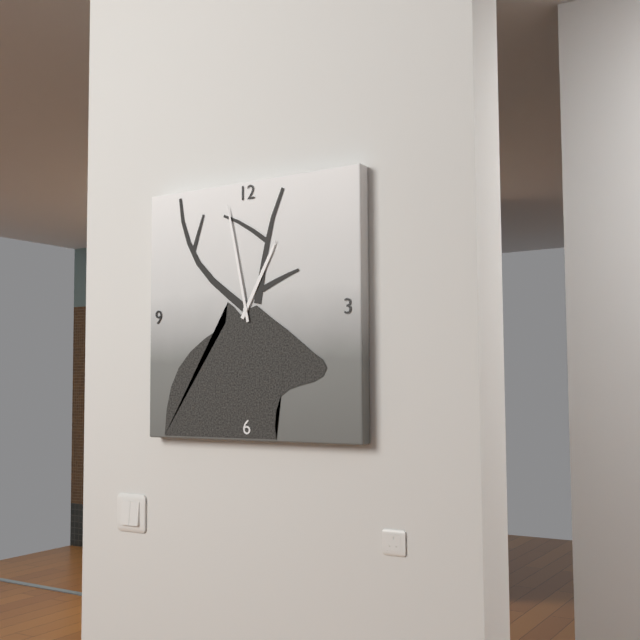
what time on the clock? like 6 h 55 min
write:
12 h 58 min
